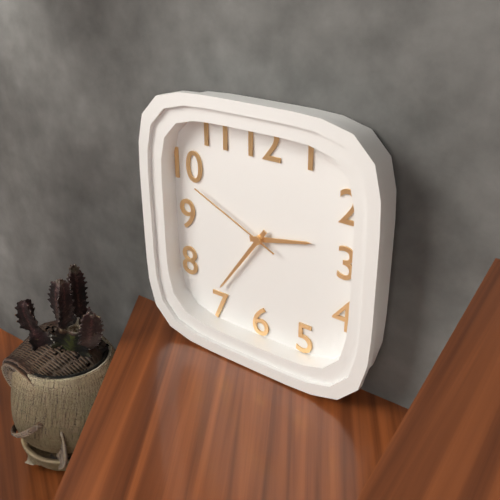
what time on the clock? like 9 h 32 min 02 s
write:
2 h 36 min 49 s
